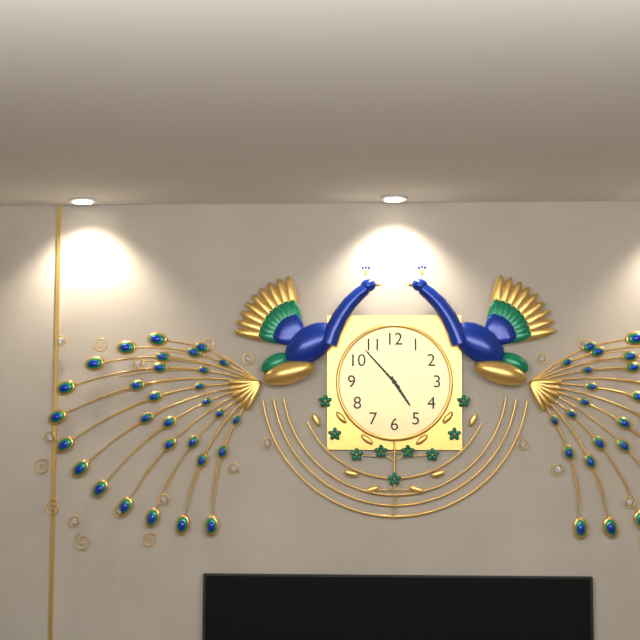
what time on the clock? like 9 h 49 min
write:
4 h 53 min
